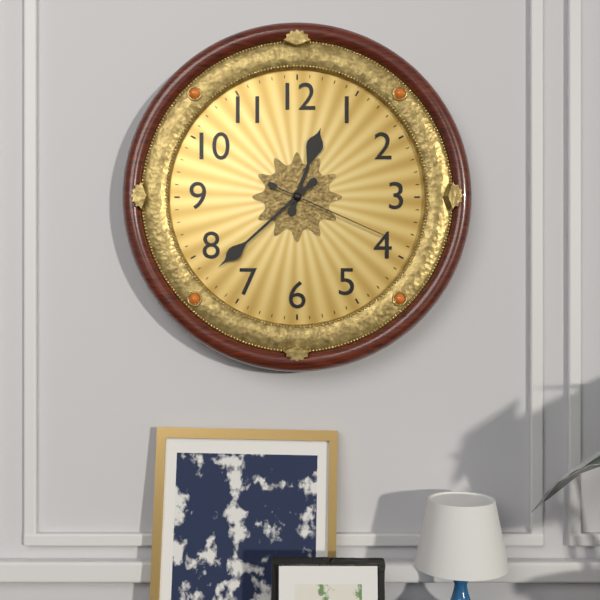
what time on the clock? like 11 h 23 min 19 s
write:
12 h 38 min 19 s
